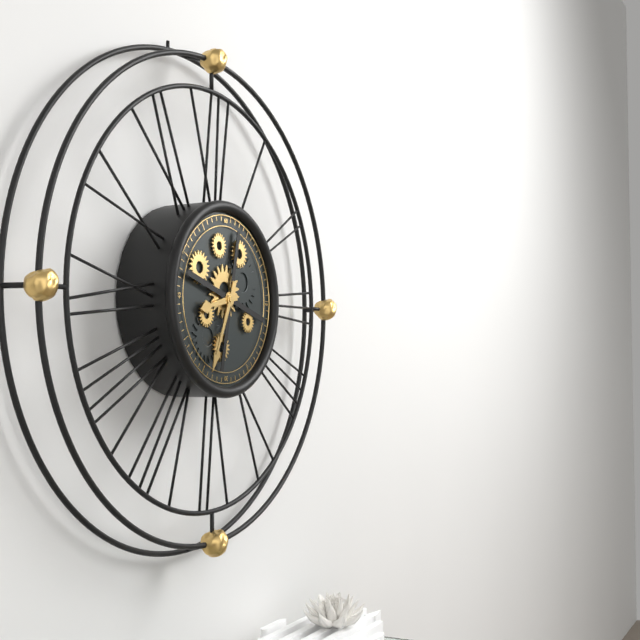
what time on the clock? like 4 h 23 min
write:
8 h 34 min
